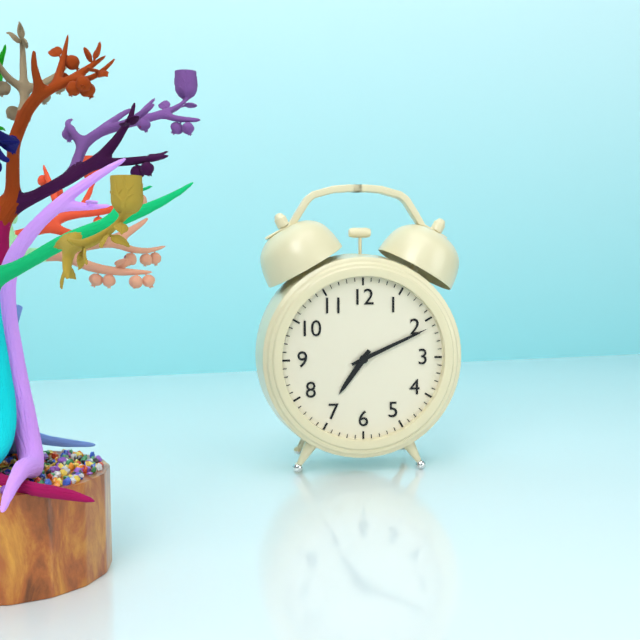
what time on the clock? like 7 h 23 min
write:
7 h 11 min
